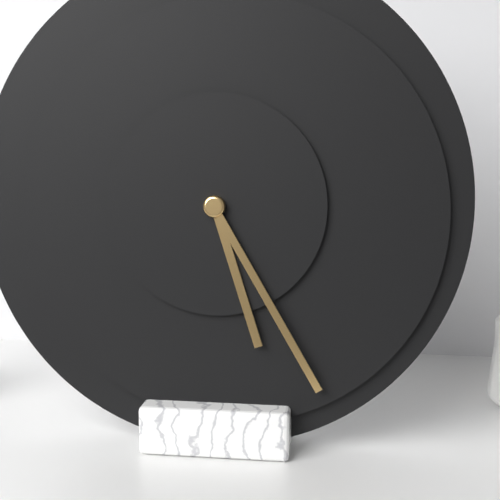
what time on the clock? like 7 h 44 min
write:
5 h 25 min
